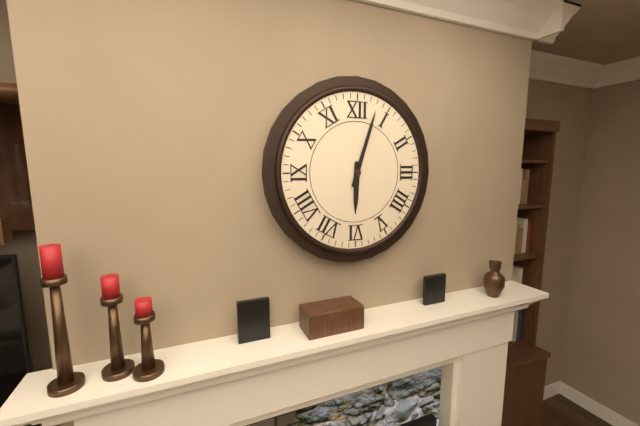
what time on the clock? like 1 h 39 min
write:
6 h 03 min
